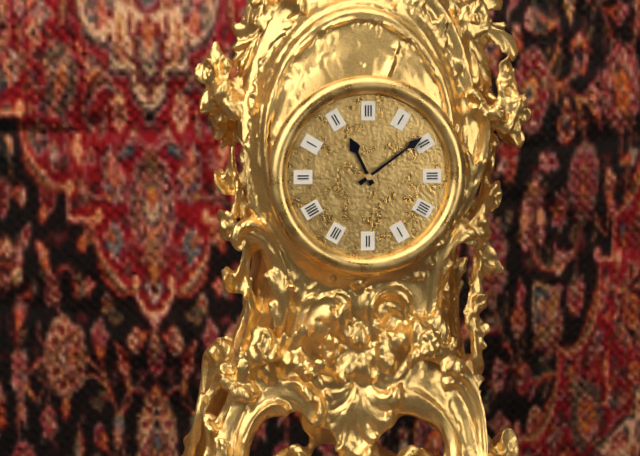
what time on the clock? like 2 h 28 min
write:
11 h 09 min
